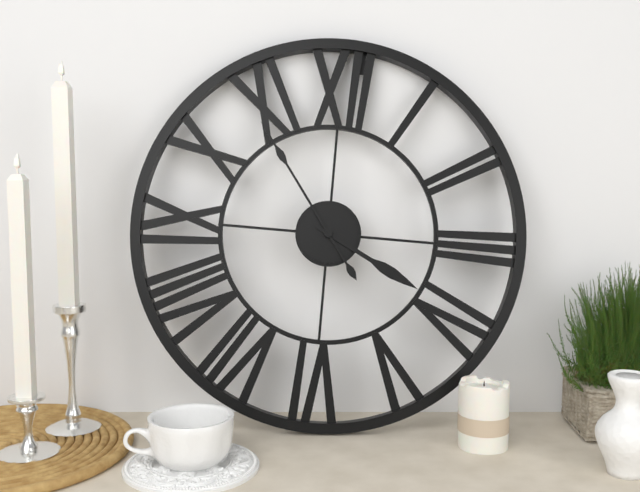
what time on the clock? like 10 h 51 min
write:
3 h 54 min
